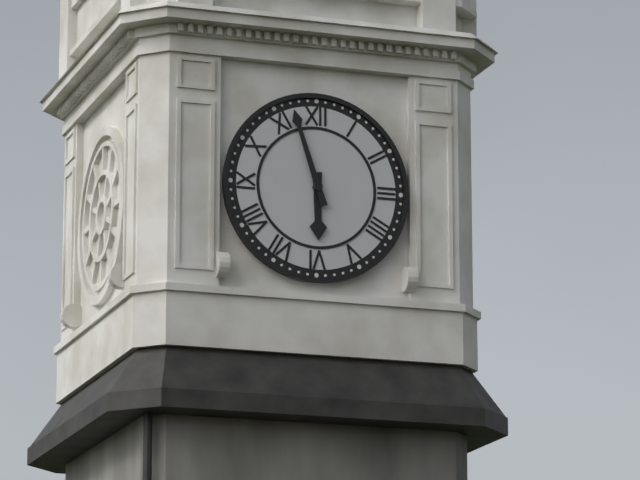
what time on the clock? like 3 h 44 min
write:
5 h 57 min
